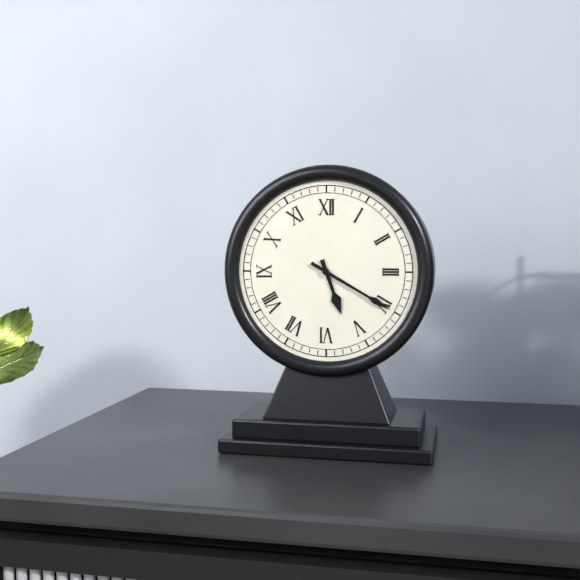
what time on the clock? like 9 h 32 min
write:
5 h 20 min
